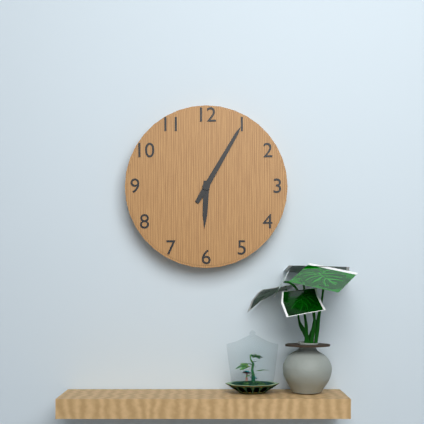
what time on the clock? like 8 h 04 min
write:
6 h 05 min
